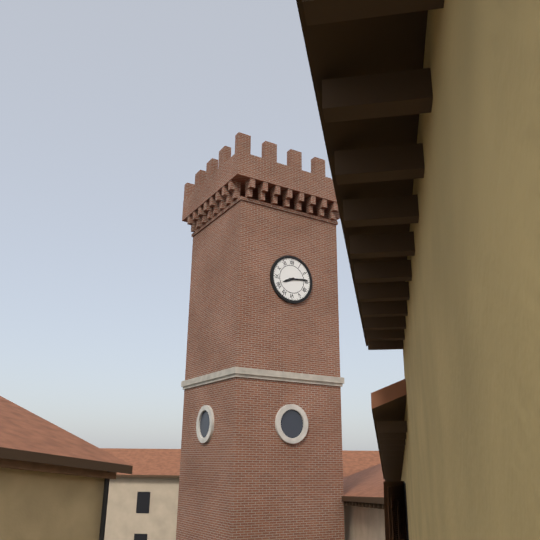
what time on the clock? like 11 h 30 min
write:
8 h 14 min
